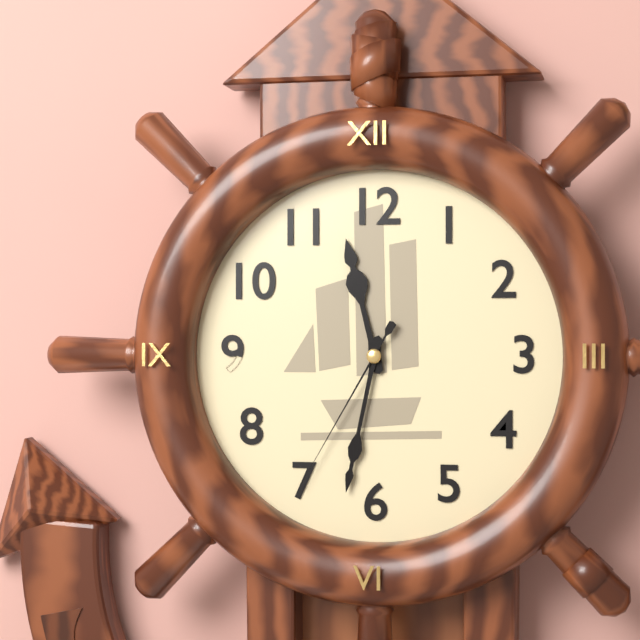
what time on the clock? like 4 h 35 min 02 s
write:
11 h 32 min 35 s
